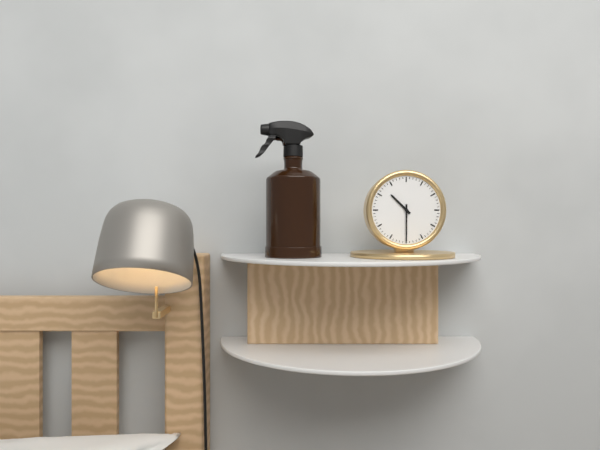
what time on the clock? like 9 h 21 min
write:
10 h 30 min
